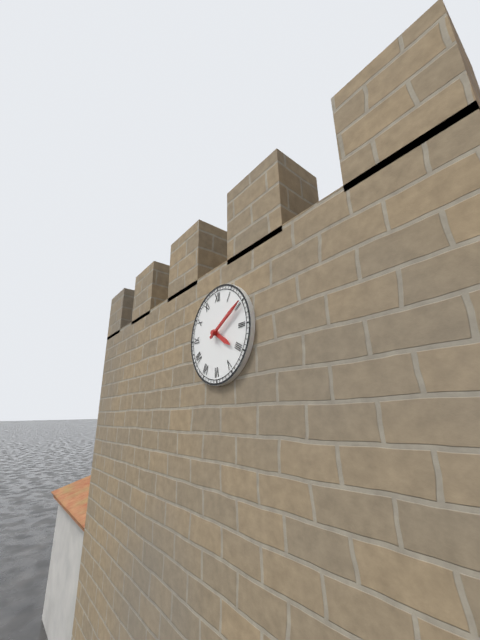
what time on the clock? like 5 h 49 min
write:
4 h 10 min
